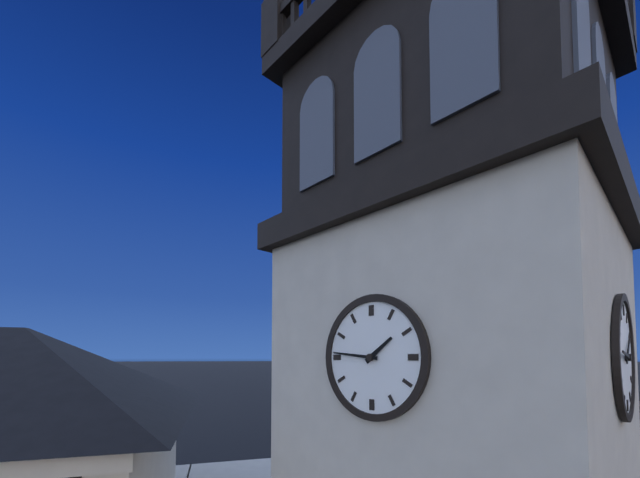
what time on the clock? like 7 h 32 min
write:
1 h 46 min
